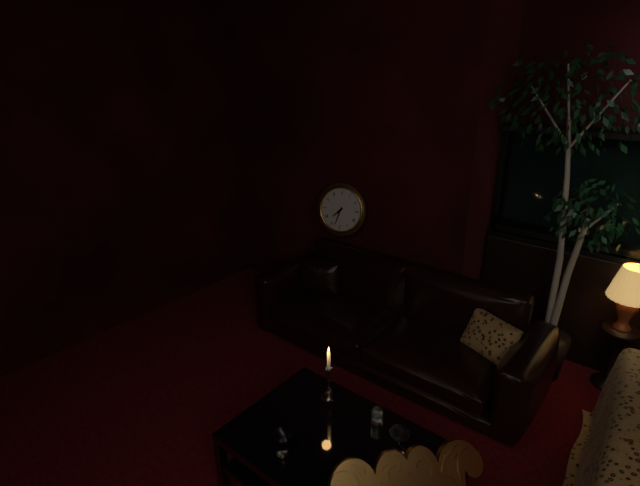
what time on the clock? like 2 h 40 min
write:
7 h 33 min
